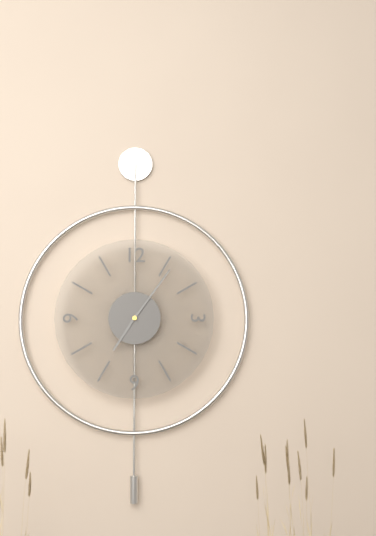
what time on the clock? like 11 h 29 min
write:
7 h 06 min
